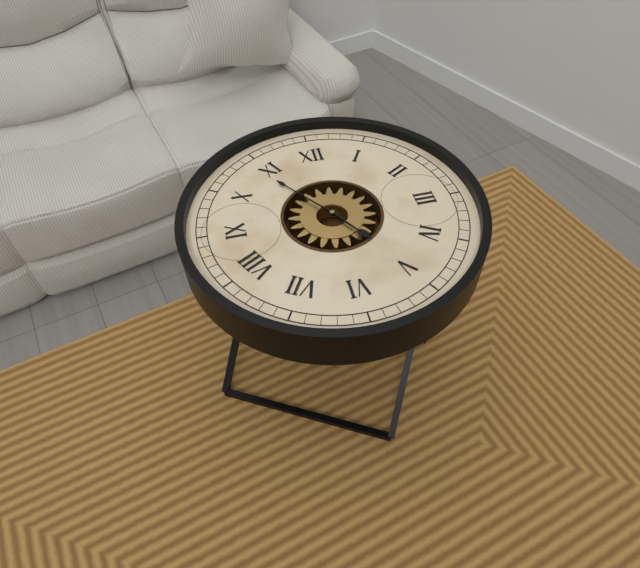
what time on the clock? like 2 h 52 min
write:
4 h 54 min
